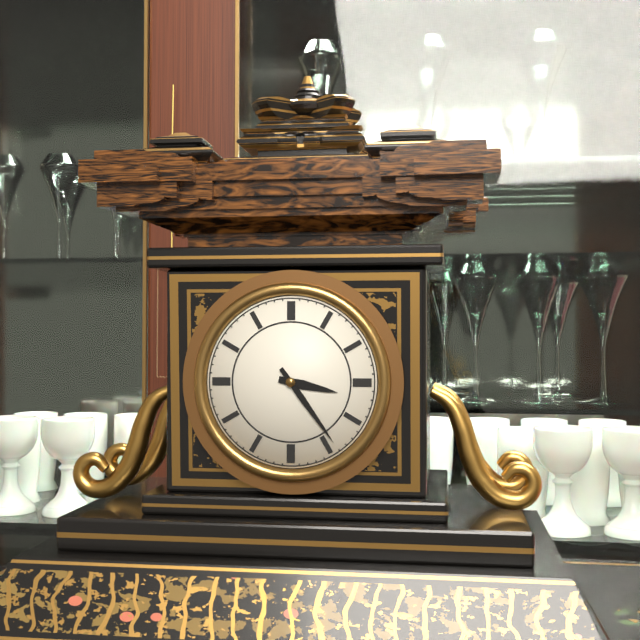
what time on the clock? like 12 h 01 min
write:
3 h 24 min
